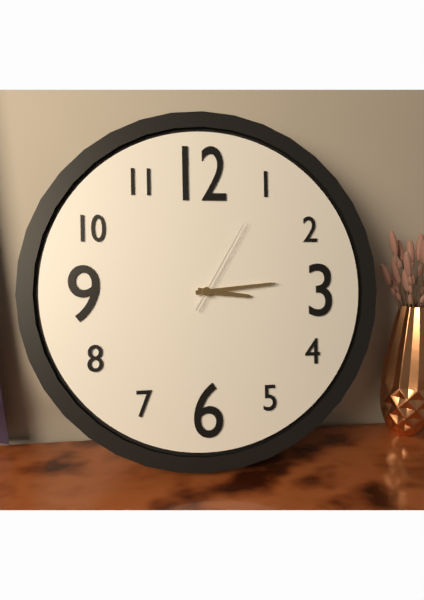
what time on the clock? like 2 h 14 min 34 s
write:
3 h 14 min 05 s
